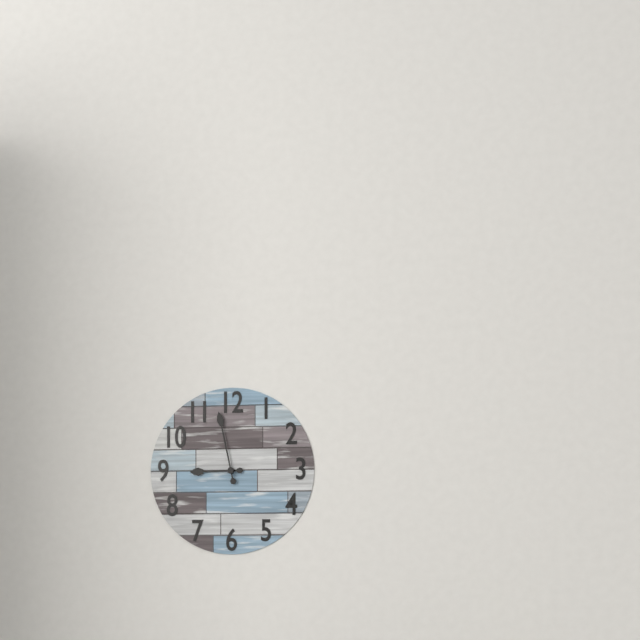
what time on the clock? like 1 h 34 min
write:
8 h 58 min
